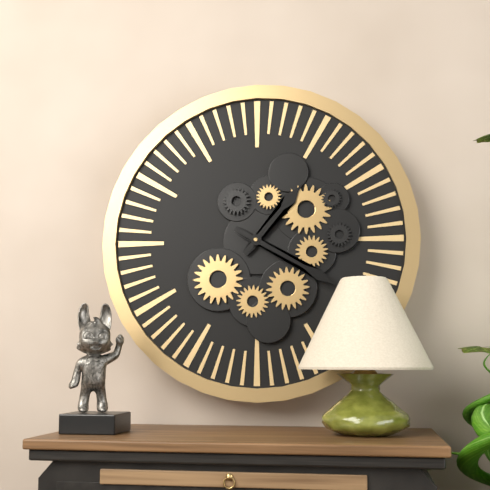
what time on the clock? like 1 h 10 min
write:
1 h 20 min
